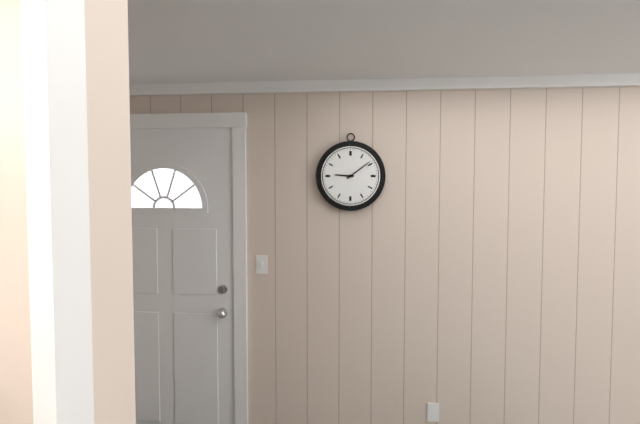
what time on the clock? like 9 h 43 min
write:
9 h 09 min
